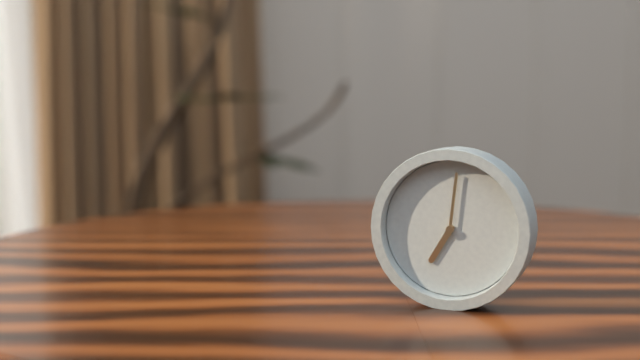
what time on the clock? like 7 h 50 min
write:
7 h 01 min
